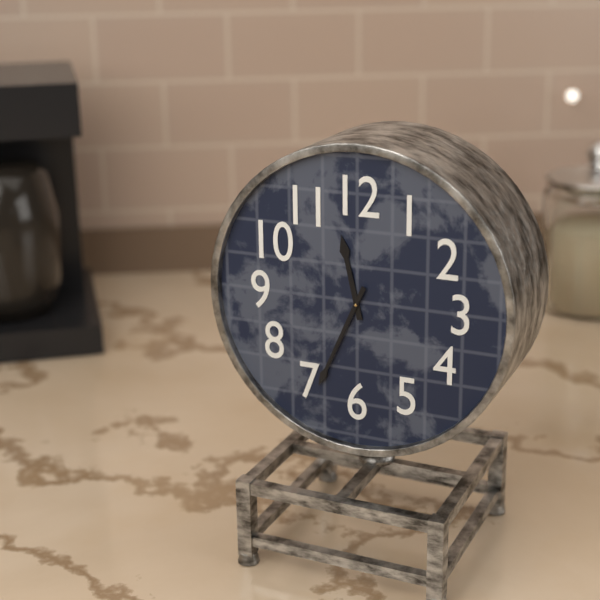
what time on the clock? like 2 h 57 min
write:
11 h 34 min
